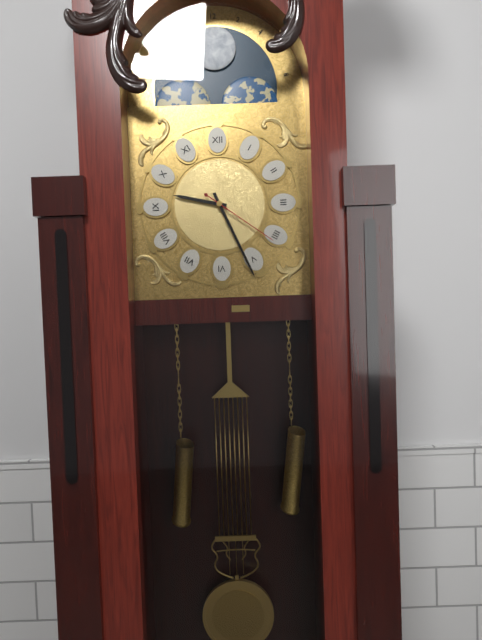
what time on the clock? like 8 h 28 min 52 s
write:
9 h 26 min 21 s
